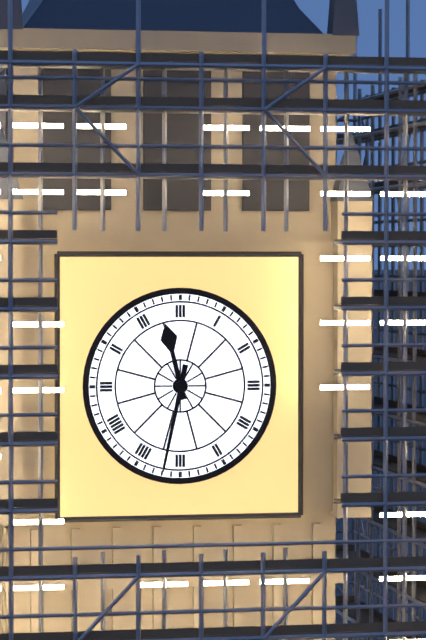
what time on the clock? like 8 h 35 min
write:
11 h 32 min
